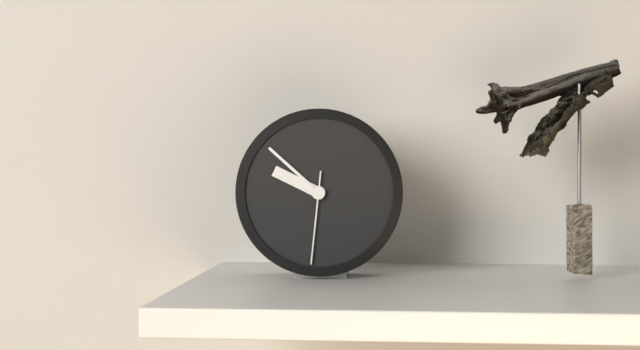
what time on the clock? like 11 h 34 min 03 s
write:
9 h 52 min 31 s
